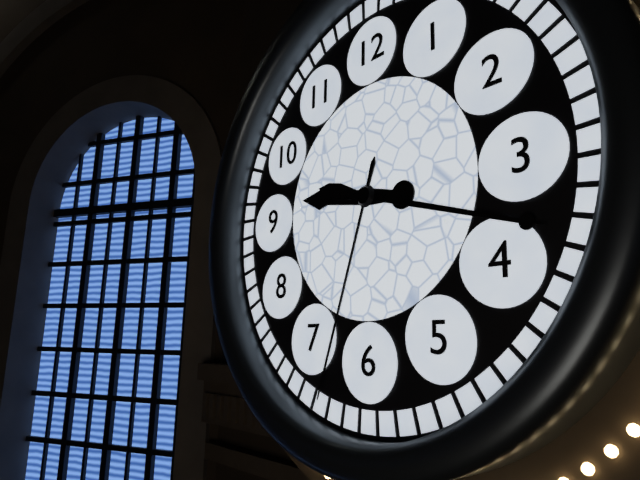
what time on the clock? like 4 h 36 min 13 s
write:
9 h 18 min 33 s
